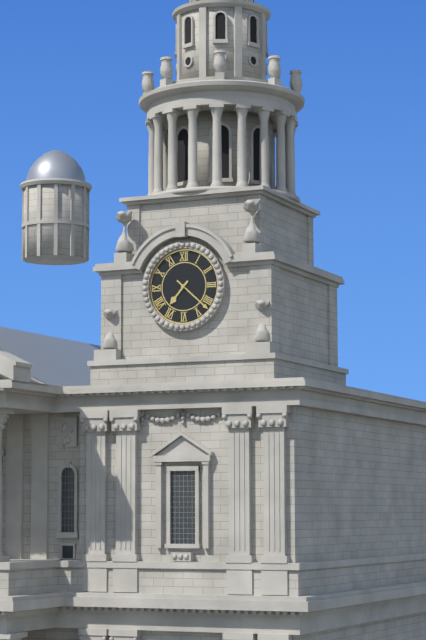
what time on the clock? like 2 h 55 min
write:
7 h 22 min
